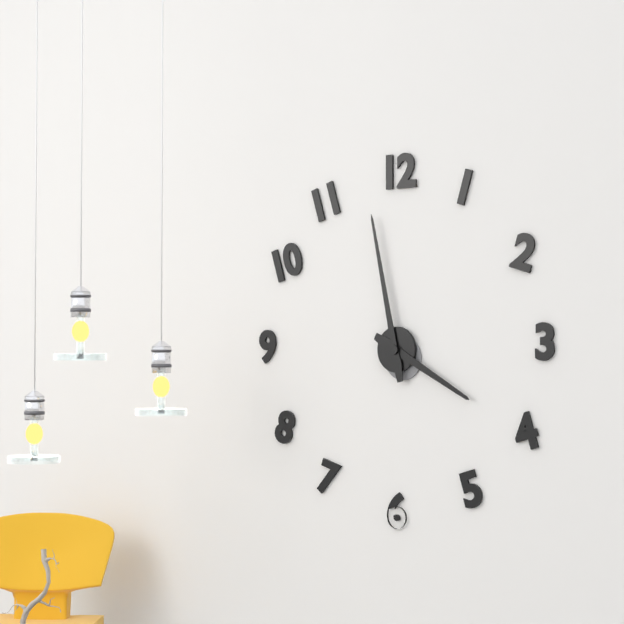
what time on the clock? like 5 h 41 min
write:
3 h 58 min
